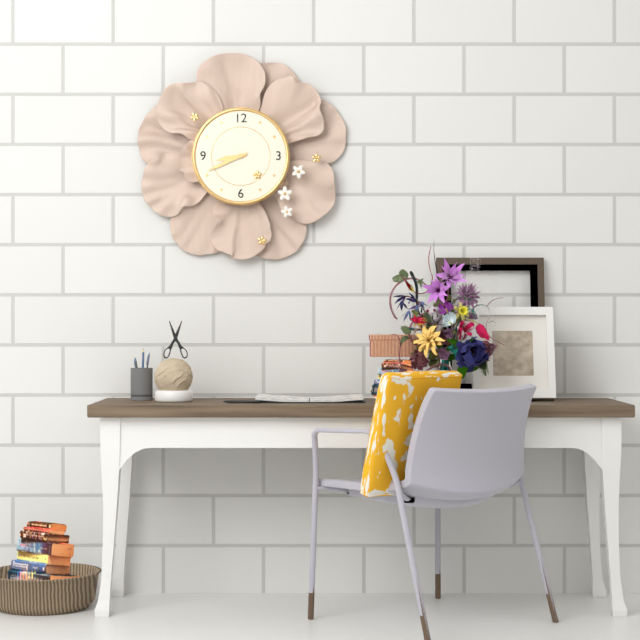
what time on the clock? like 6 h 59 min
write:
8 h 41 min
